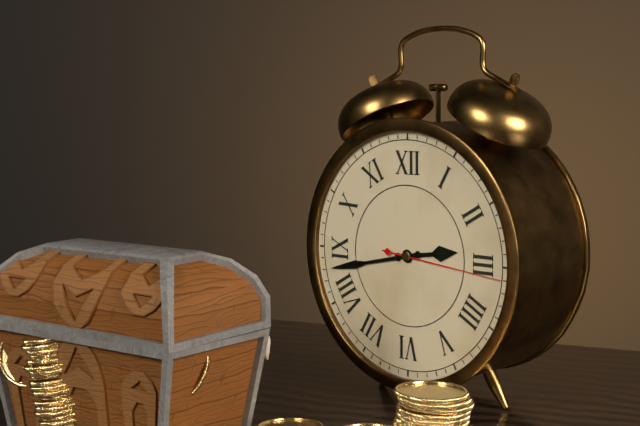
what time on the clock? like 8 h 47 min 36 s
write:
2 h 43 min 16 s
